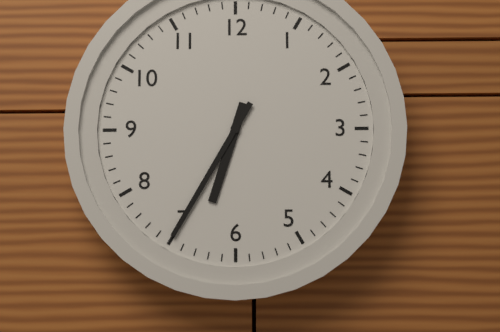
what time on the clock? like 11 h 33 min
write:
6 h 35 min
